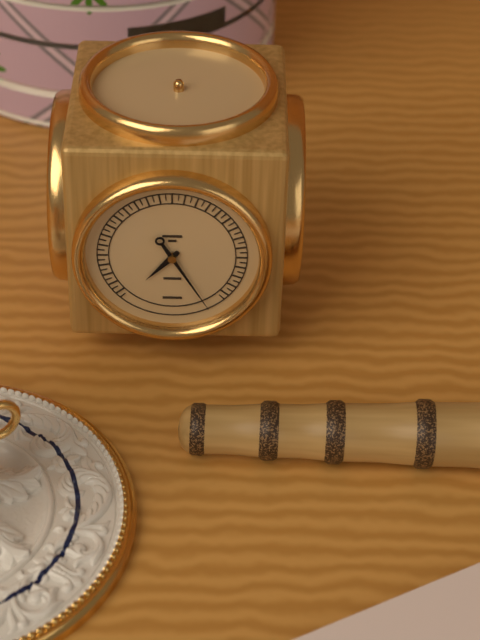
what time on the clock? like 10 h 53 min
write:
7 h 25 min
